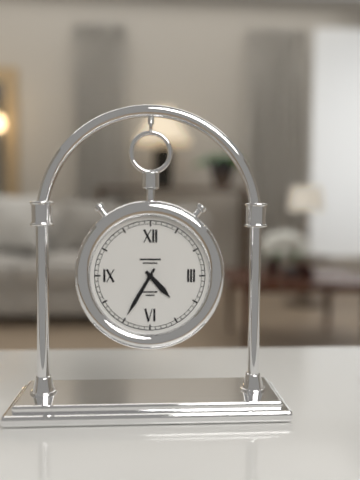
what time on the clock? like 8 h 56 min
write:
4 h 35 min
